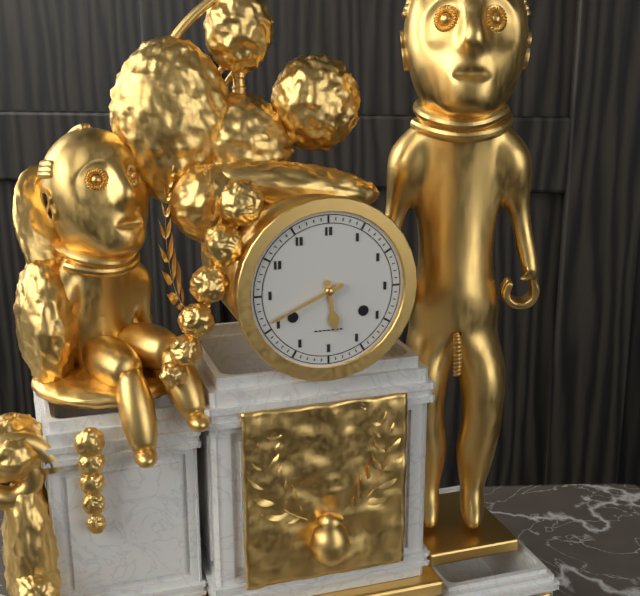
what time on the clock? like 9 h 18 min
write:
5 h 41 min
